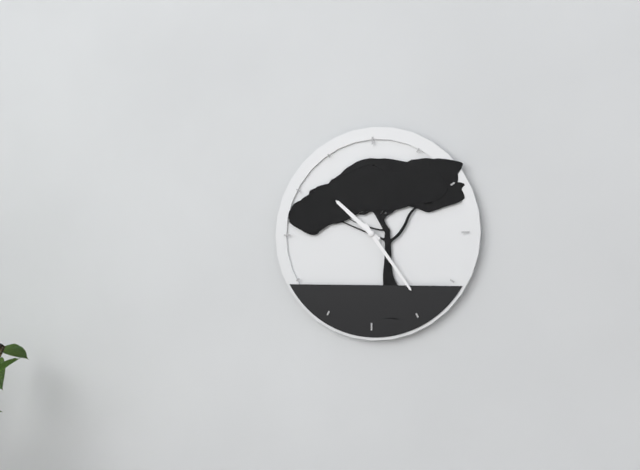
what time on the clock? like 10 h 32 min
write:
10 h 24 min
